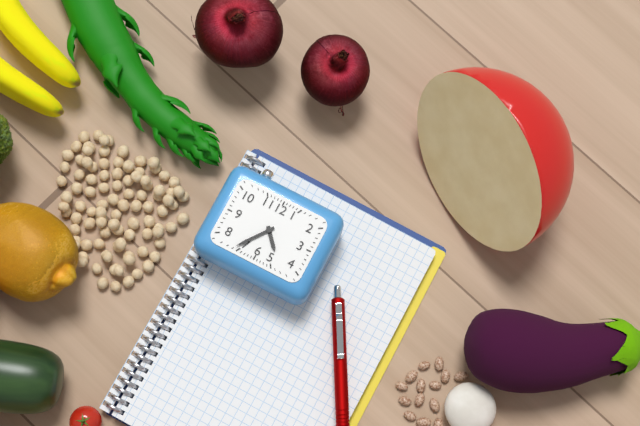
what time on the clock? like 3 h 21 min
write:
4 h 36 min
